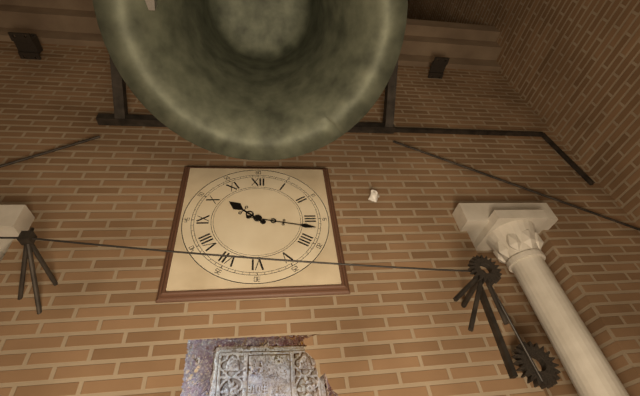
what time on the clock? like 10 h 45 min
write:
10 h 17 min
